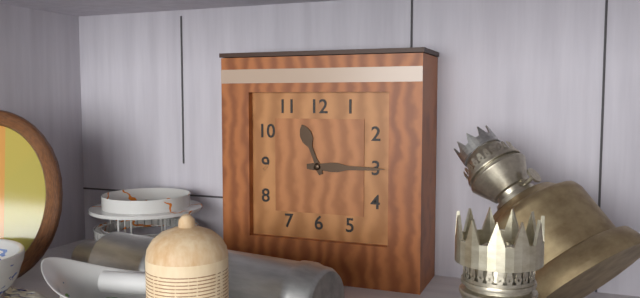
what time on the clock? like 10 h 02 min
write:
11 h 15 min
